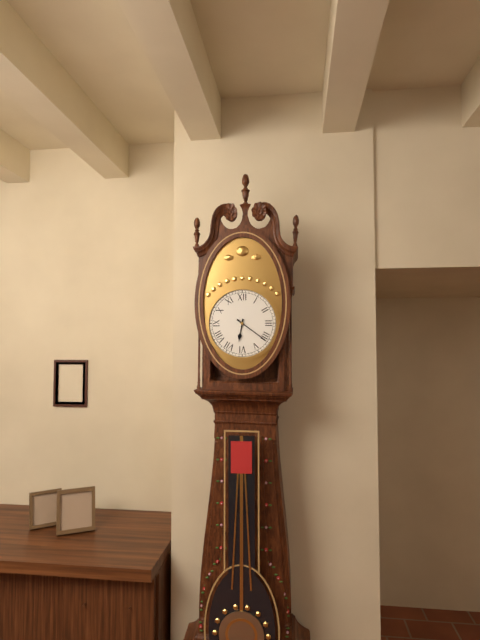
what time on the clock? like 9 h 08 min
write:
6 h 21 min
